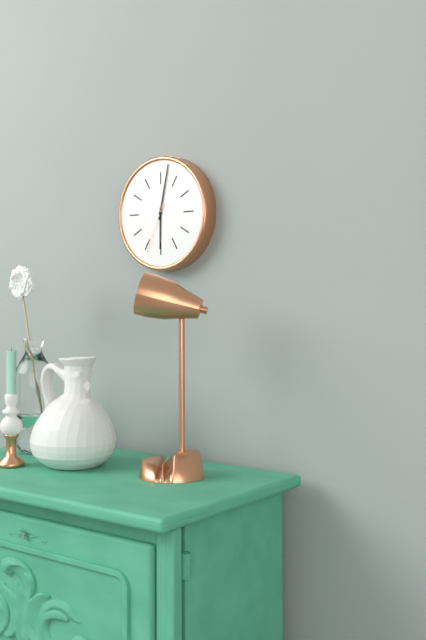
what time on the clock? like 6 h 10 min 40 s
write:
6 h 02 min 34 s
